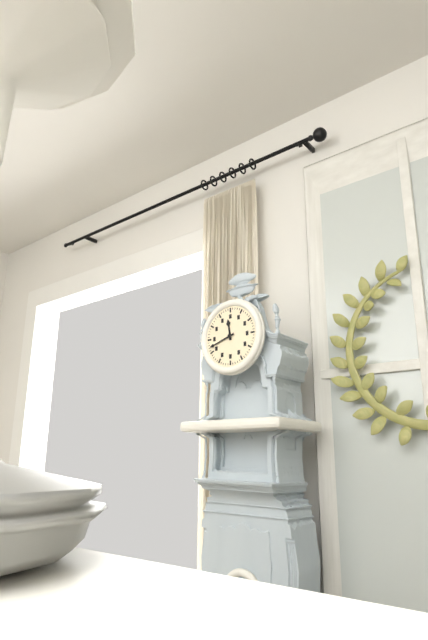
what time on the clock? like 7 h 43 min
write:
11 h 42 min
